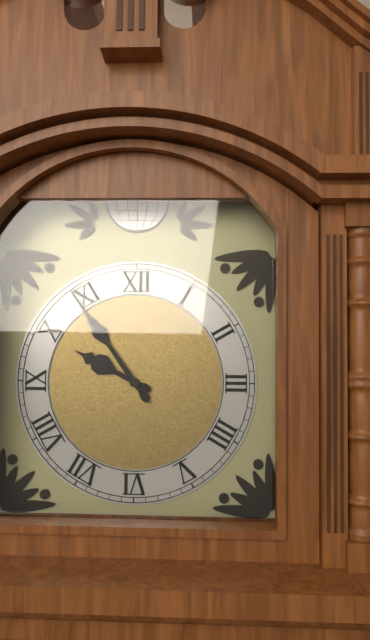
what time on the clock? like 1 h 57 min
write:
9 h 54 min
